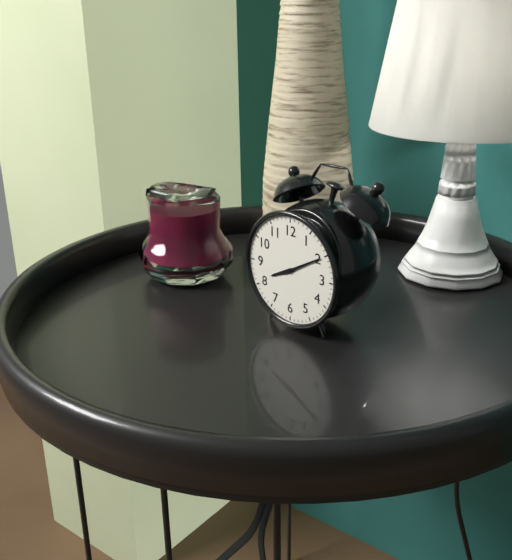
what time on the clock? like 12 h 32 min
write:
8 h 10 min
